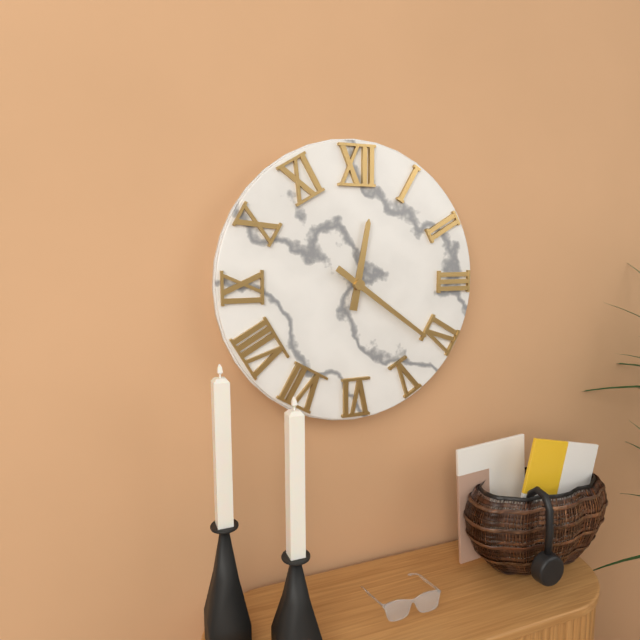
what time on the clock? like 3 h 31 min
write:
12 h 21 min
